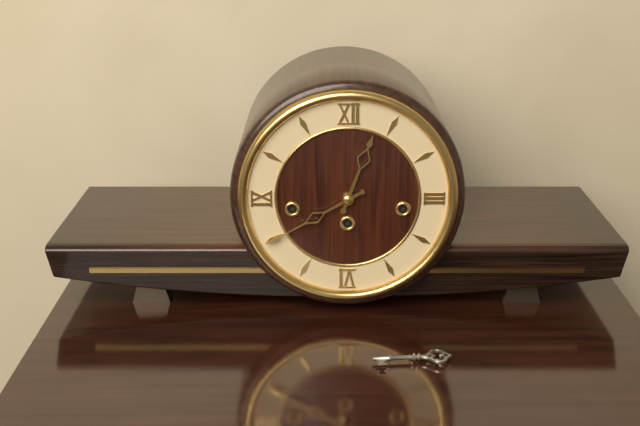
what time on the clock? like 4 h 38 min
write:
12 h 40 min
